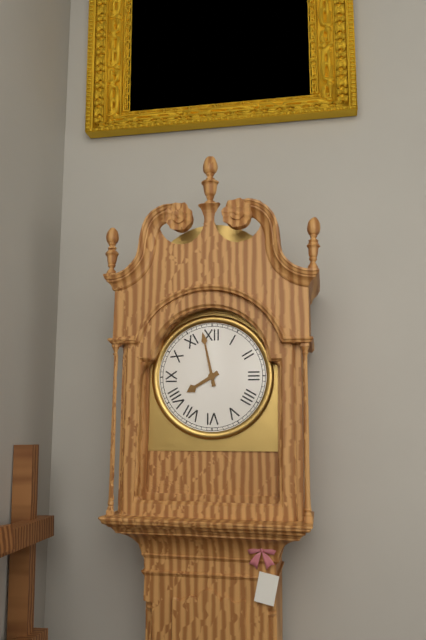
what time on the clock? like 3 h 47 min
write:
7 h 58 min
